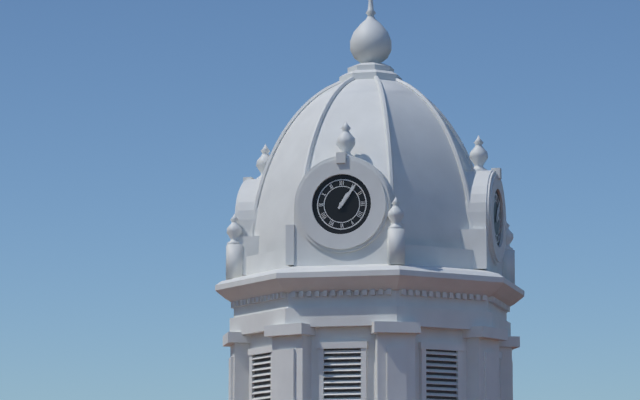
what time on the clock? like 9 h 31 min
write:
1 h 06 min
